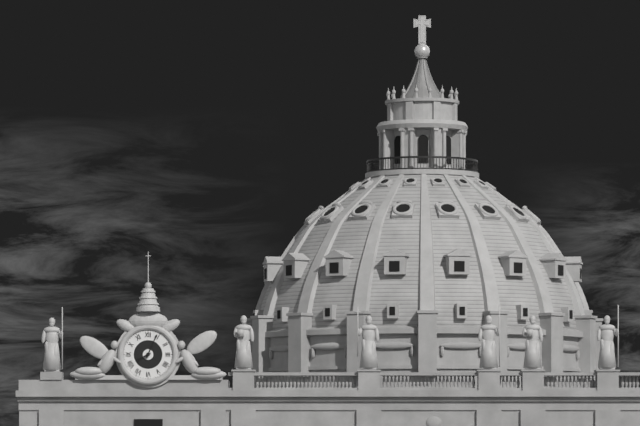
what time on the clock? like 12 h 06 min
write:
8 h 04 min
